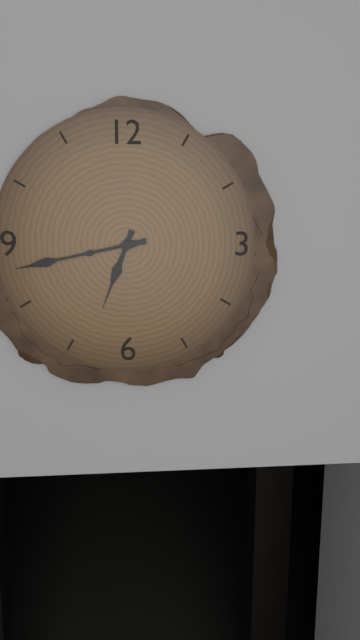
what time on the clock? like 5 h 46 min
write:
6 h 43 min
